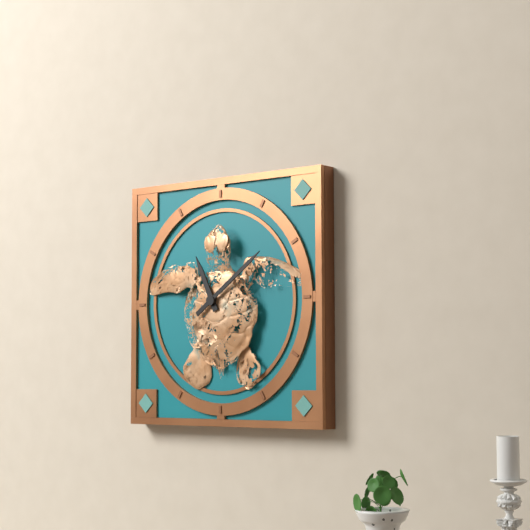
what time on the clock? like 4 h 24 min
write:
11 h 09 min
